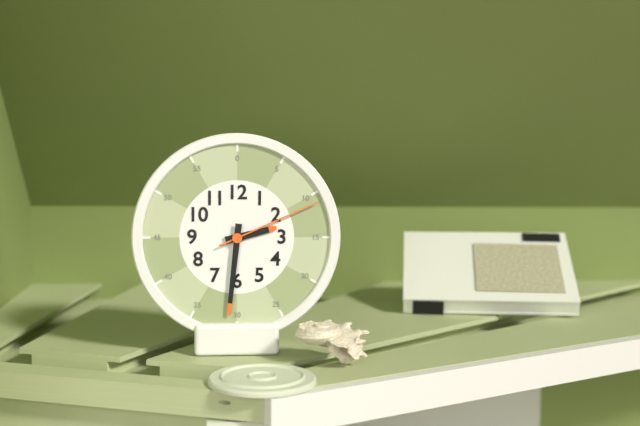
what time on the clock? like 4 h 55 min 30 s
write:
2 h 31 min 11 s
